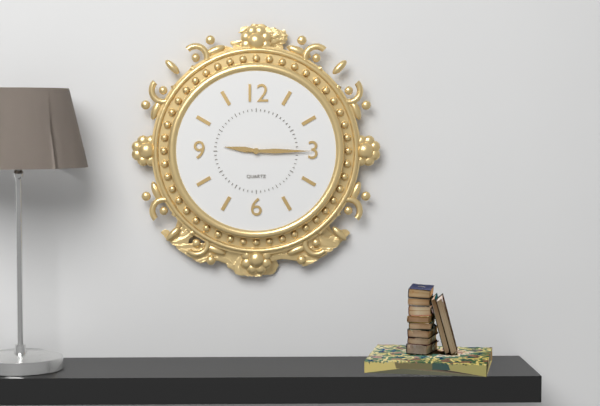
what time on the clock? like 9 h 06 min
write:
9 h 15 min
